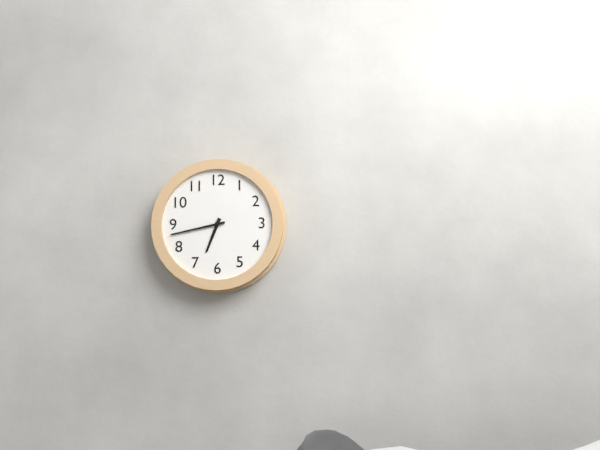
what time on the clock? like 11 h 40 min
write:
6 h 43 min
